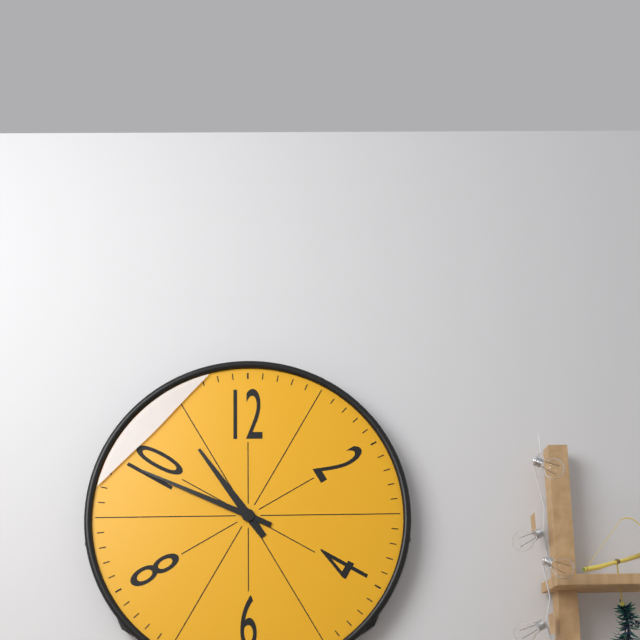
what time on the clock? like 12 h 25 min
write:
10 h 49 min
